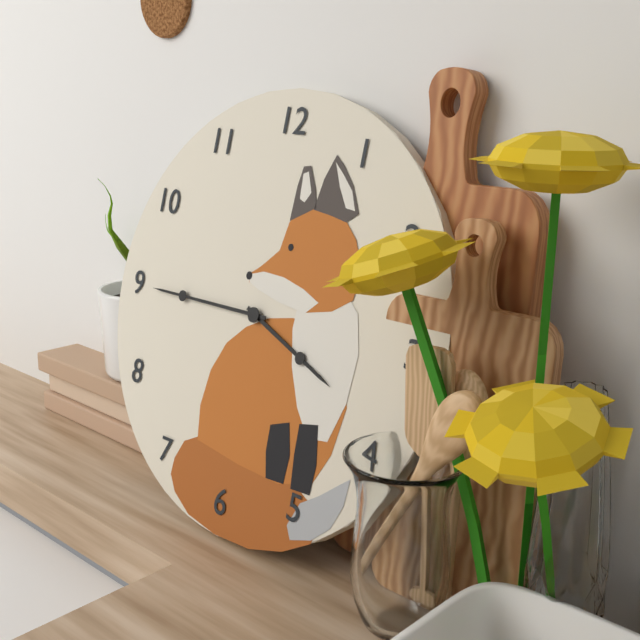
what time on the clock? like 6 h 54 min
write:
3 h 45 min
